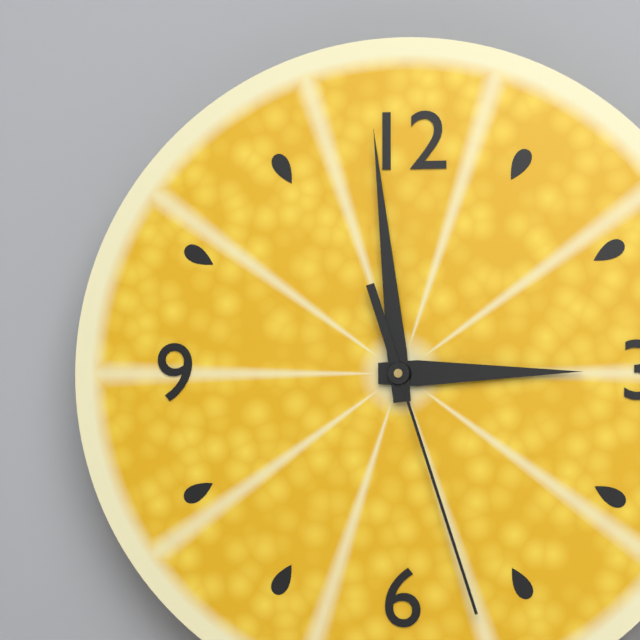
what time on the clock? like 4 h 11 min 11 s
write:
2 h 59 min 27 s
